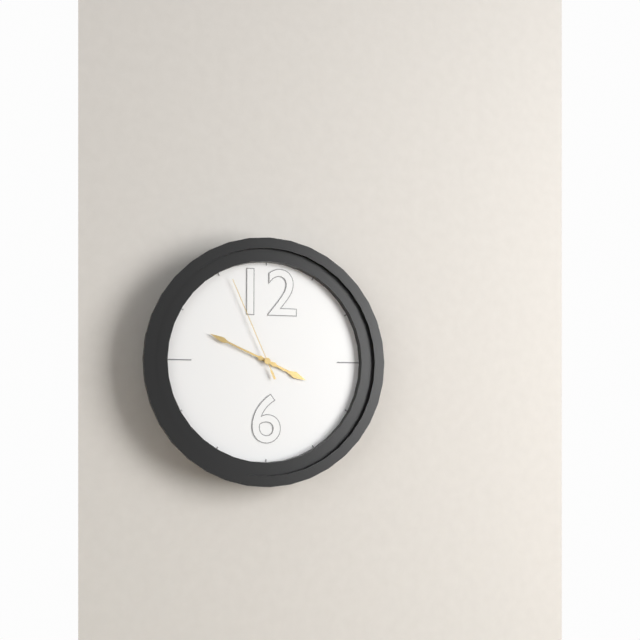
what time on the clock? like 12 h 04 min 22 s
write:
3 h 49 min 56 s
